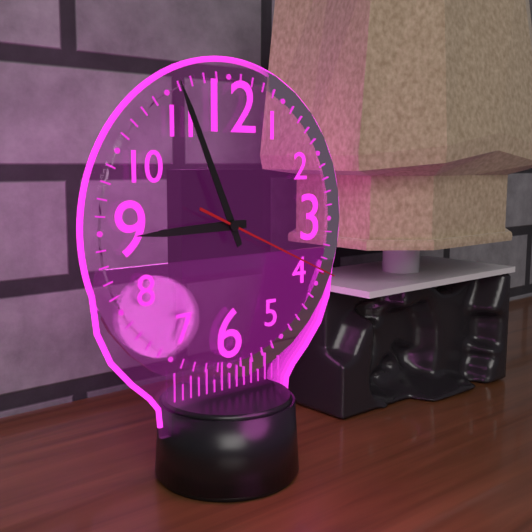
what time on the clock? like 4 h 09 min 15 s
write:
8 h 56 min 19 s
